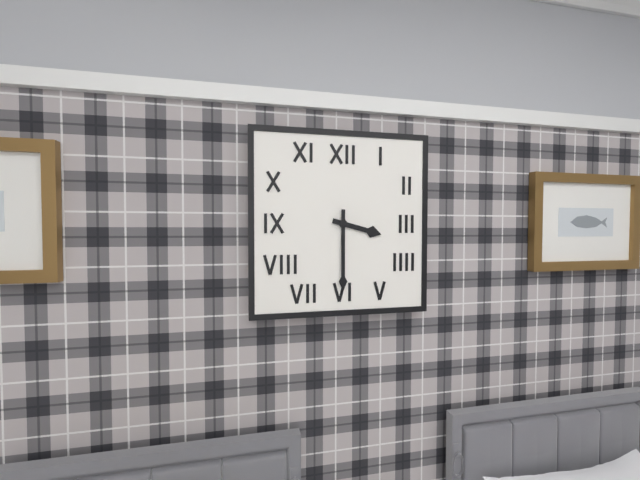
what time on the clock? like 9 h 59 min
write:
3 h 30 min
